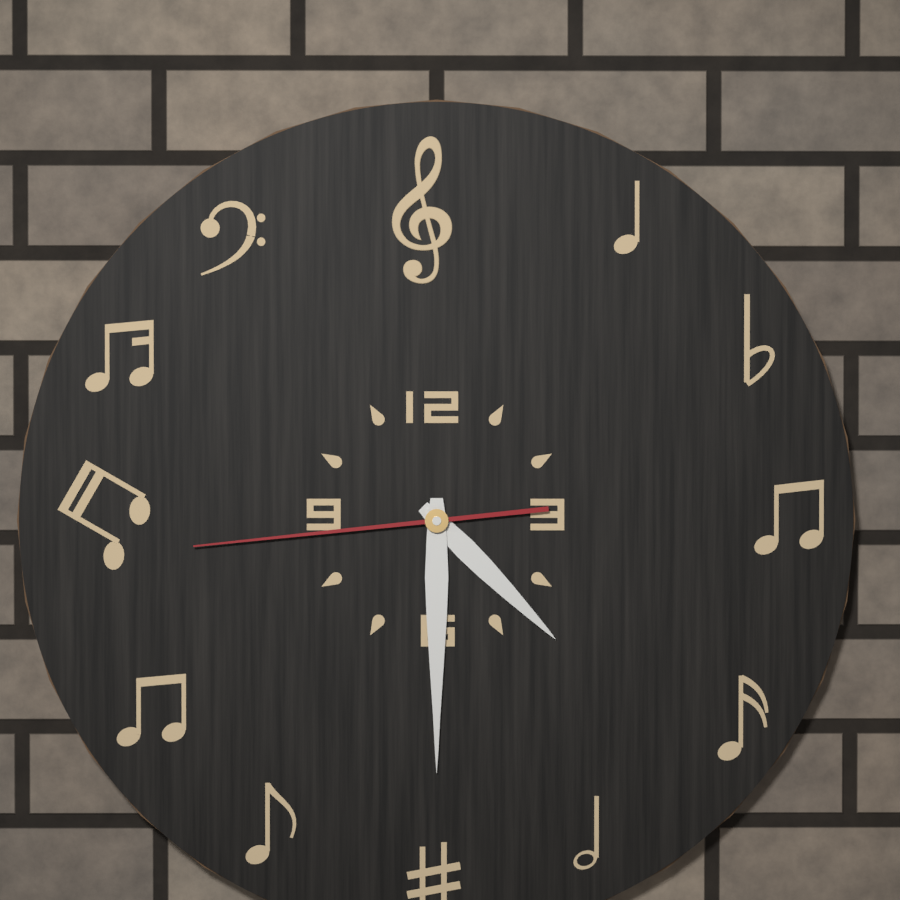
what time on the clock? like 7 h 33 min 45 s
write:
4 h 30 min 44 s
